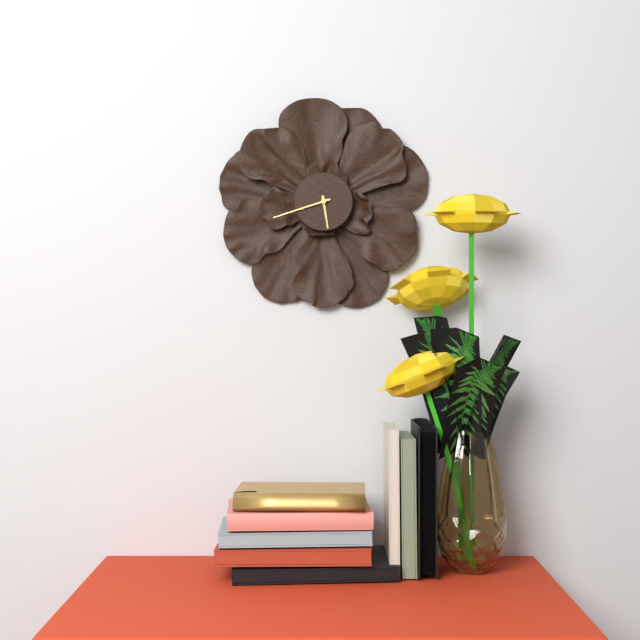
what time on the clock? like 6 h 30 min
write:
5 h 42 min
